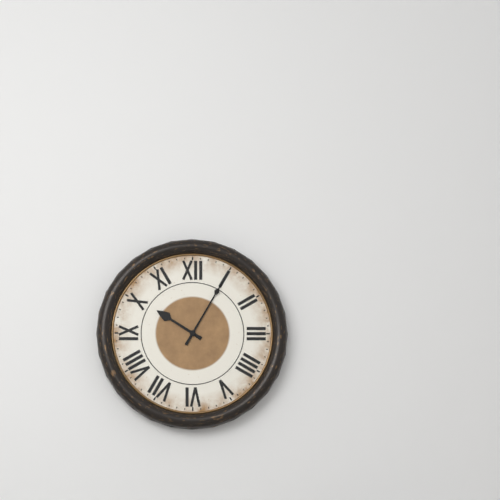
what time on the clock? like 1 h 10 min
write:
10 h 05 min
